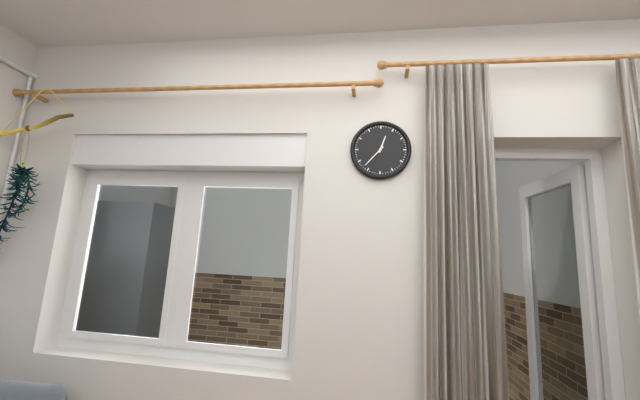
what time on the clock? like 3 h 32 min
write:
12 h 37 min
